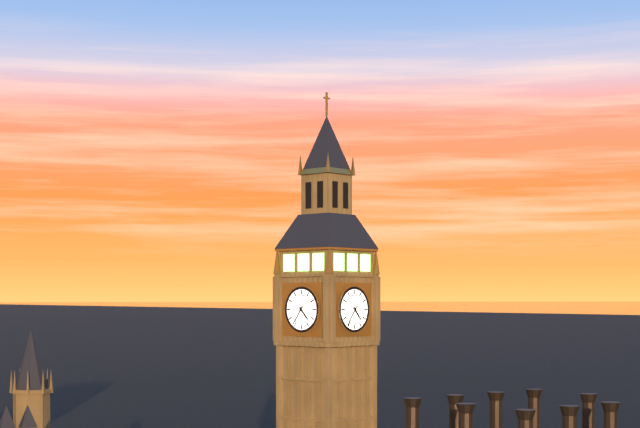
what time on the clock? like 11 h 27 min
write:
4 h 36 min
